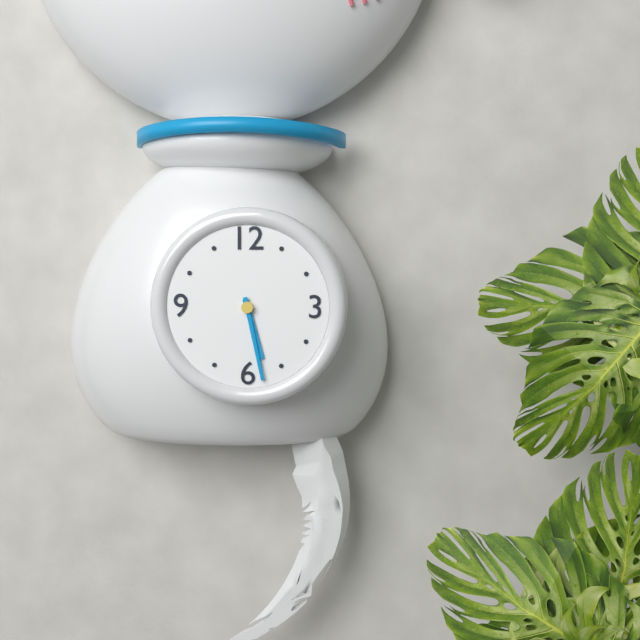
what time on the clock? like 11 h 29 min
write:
5 h 28 min
